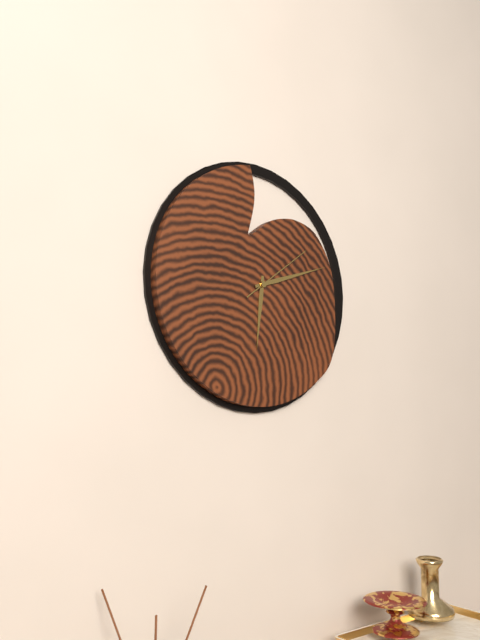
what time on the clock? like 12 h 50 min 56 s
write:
6 h 12 min 09 s
